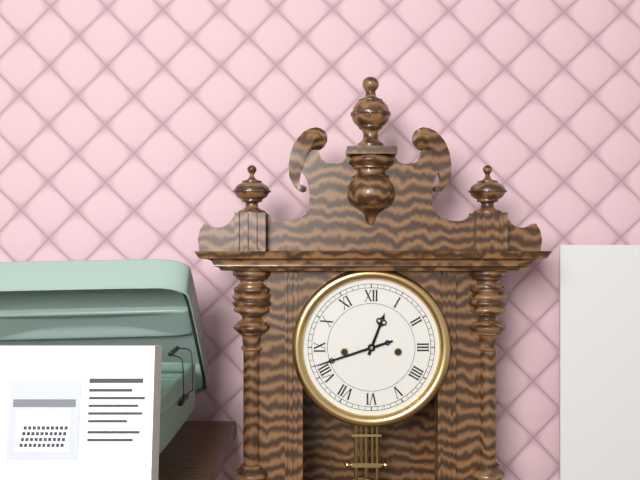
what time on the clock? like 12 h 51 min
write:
12 h 42 min
